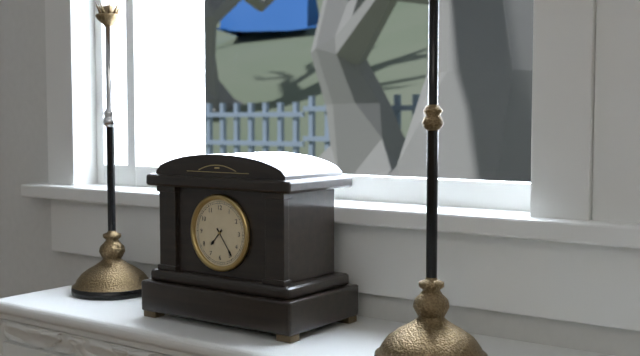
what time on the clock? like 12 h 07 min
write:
7 h 24 min
